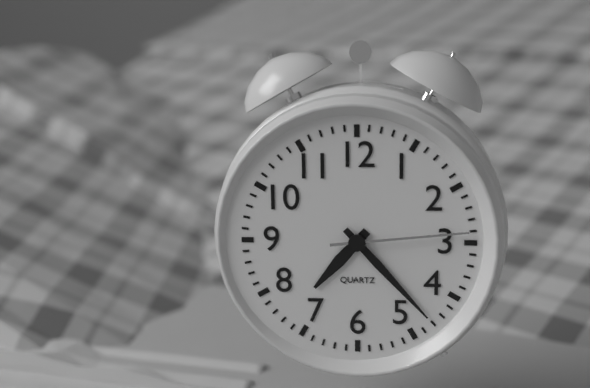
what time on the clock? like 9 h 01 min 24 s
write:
7 h 23 min 14 s
